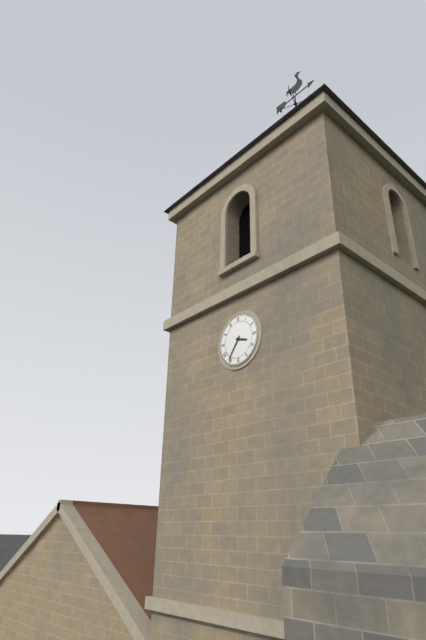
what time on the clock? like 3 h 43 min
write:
3 h 36 min
